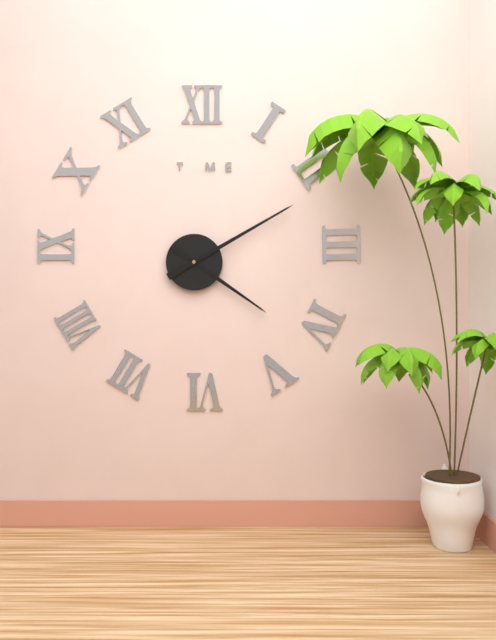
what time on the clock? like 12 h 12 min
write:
4 h 10 min
